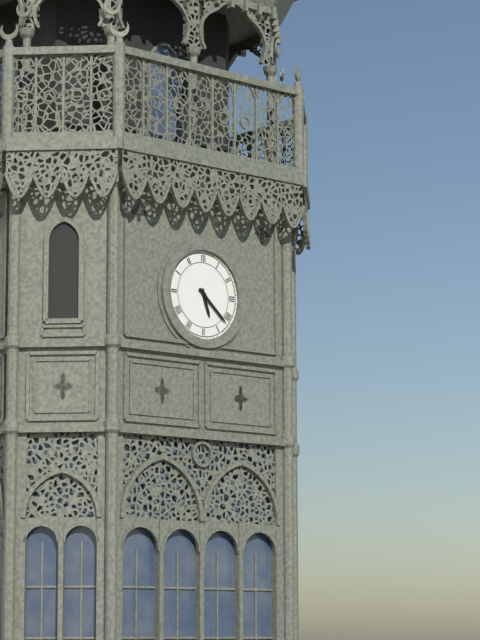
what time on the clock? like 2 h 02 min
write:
5 h 22 min
